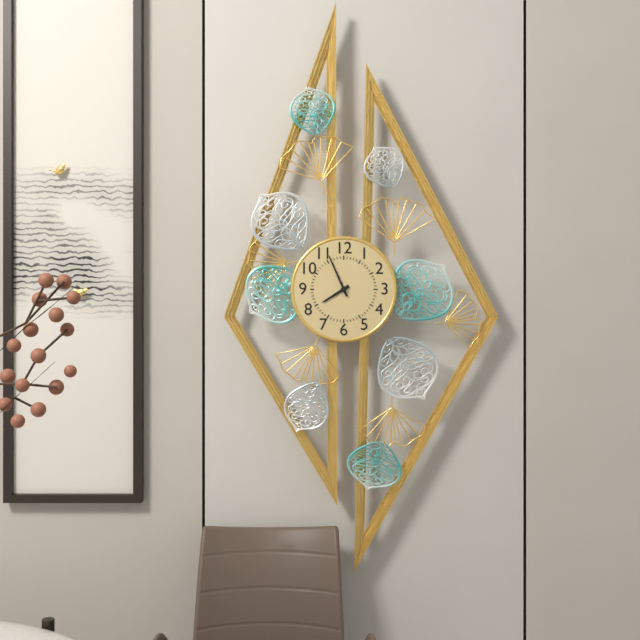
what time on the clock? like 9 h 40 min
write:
7 h 56 min
